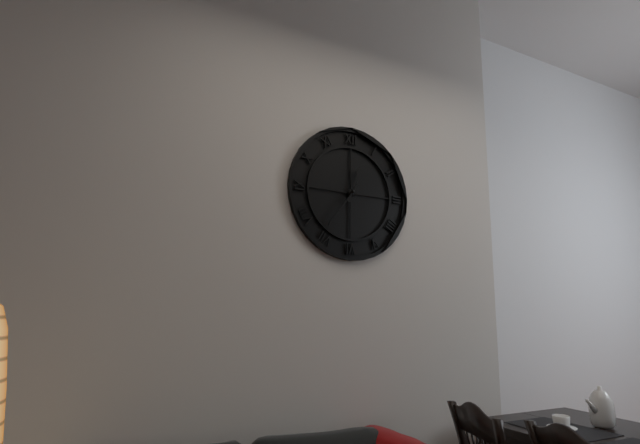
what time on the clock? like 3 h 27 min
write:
12 h 36 min
